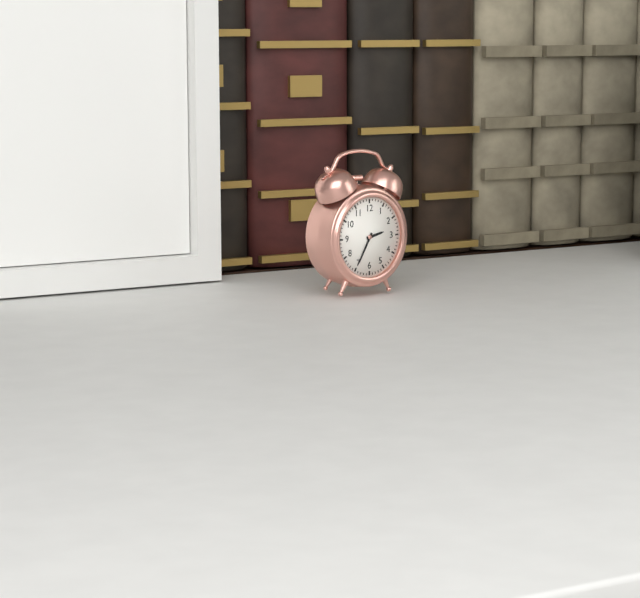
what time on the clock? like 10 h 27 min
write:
2 h 35 min
